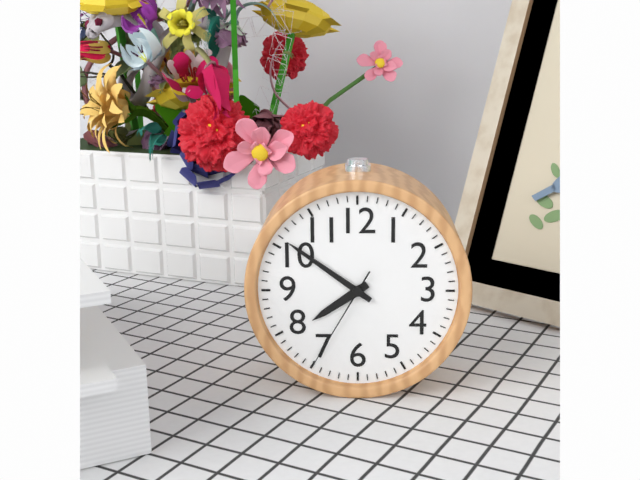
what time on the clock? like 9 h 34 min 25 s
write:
7 h 51 min 35 s
